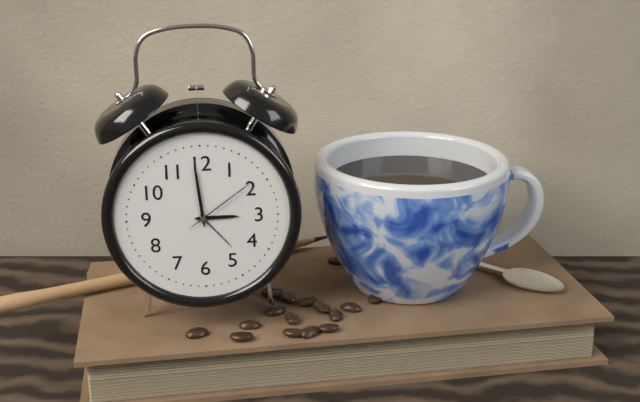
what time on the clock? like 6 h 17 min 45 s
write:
2 h 59 min 09 s
